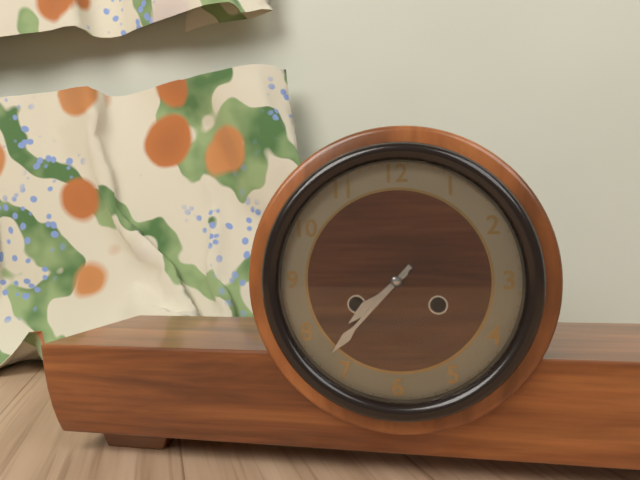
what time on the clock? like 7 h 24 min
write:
7 h 37 min
